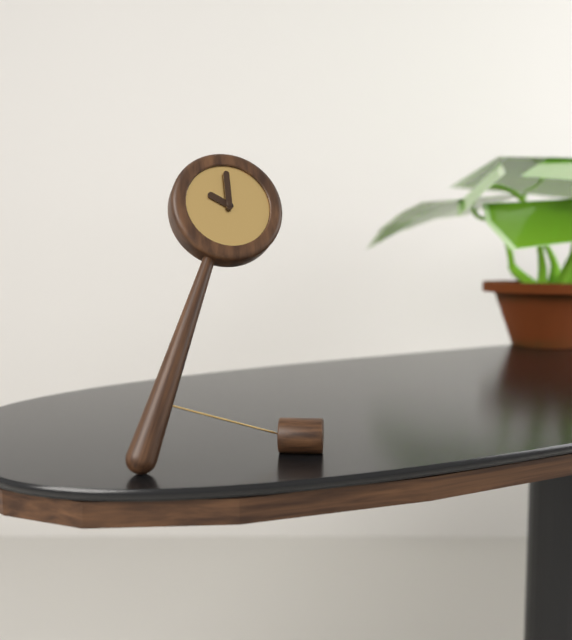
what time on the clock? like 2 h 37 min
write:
10 h 00 min
